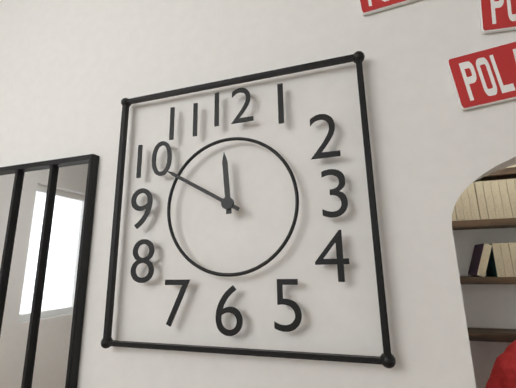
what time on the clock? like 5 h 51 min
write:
11 h 50 min
